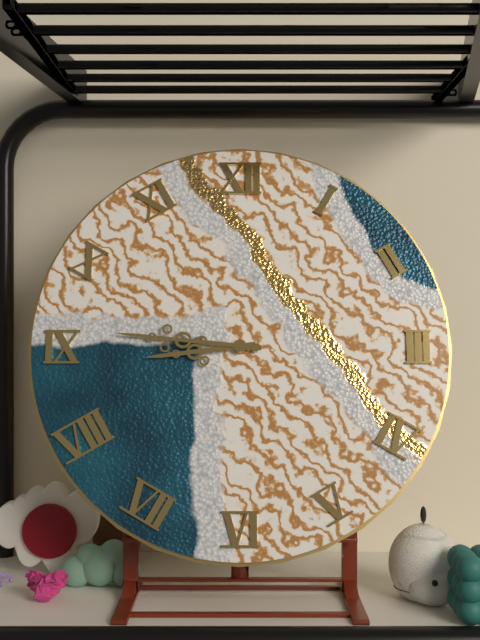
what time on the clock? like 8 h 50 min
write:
8 h 46 min
